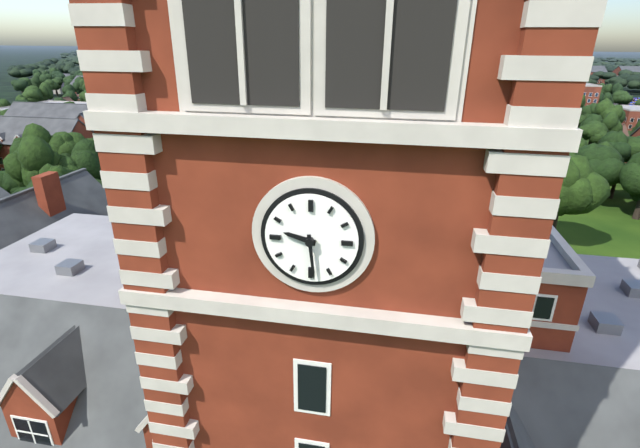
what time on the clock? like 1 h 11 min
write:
9 h 29 min
